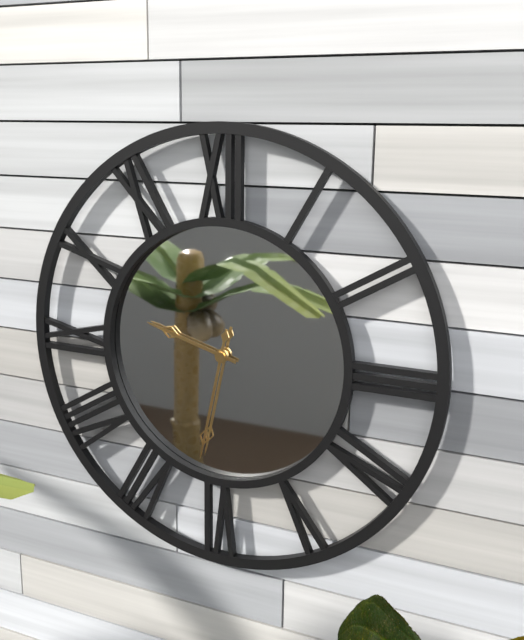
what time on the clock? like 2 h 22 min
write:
9 h 32 min
